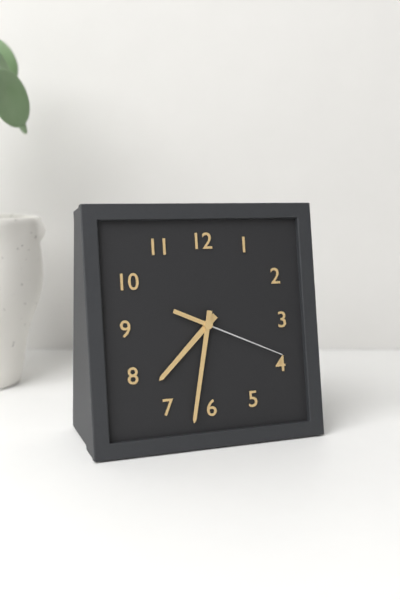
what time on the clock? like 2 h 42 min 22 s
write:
7 h 32 min 19 s
